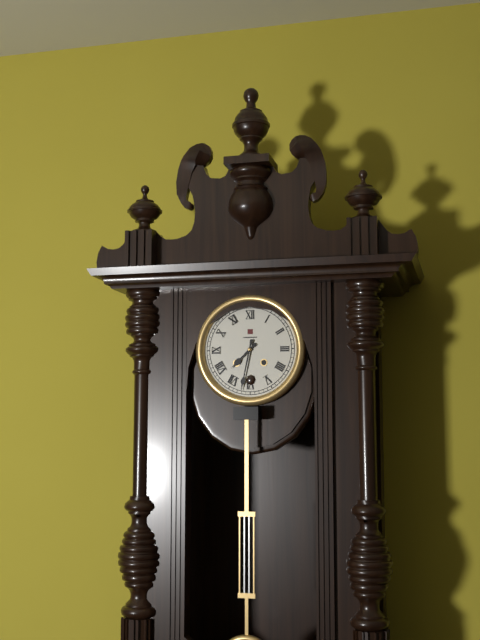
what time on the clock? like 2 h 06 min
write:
7 h 32 min
